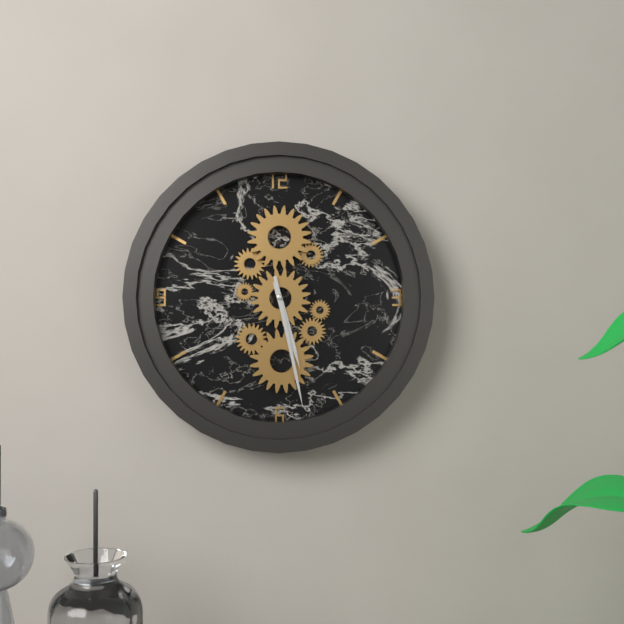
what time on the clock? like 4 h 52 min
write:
5 h 28 min
